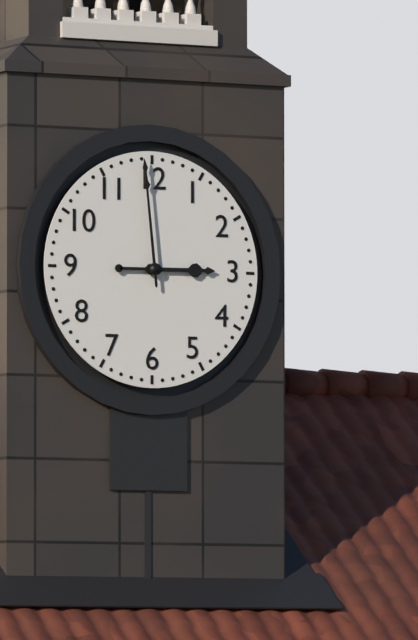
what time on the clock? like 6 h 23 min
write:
2 h 59 min
